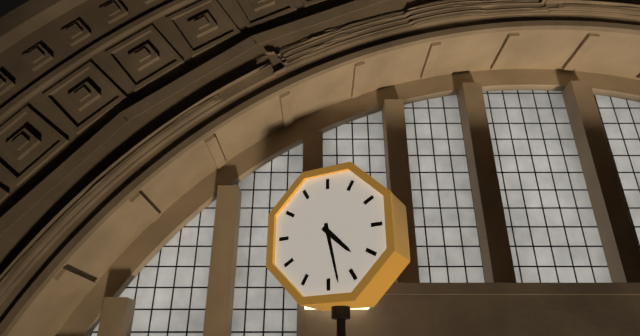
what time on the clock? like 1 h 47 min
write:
4 h 28 min
